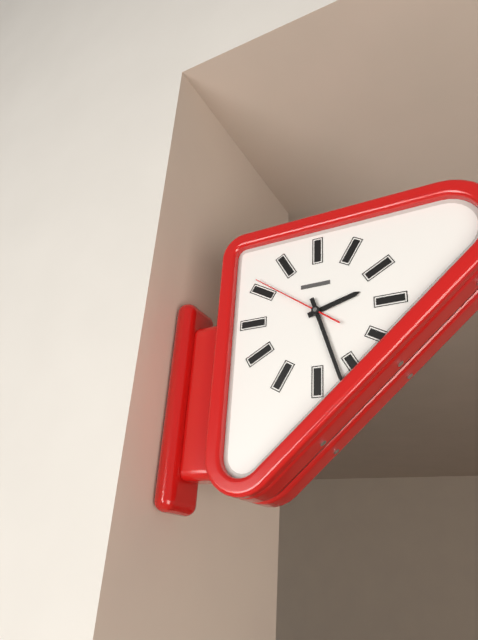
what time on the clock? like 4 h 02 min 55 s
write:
2 h 27 min 51 s
